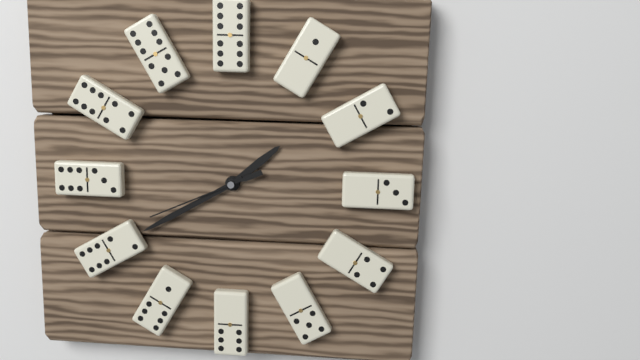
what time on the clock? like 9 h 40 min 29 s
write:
1 h 40 min 41 s
